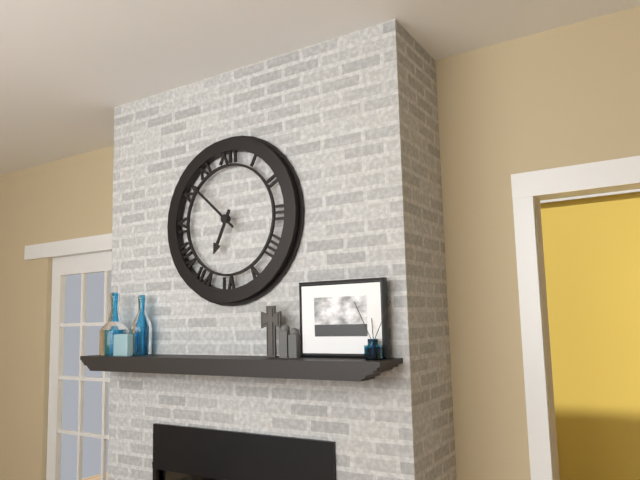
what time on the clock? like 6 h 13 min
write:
6 h 52 min
